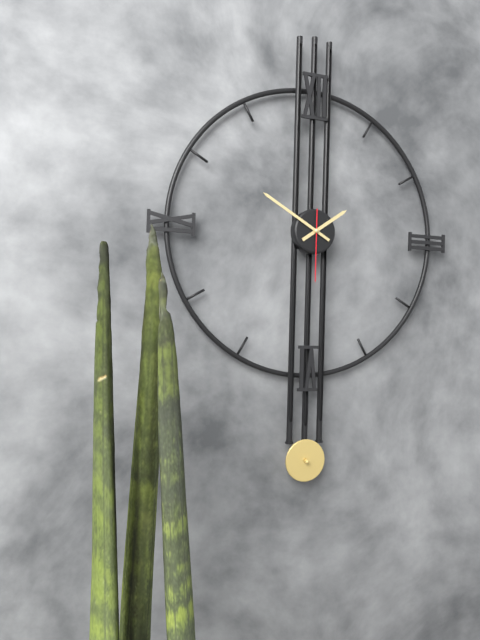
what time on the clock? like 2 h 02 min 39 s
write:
1 h 50 min 30 s
